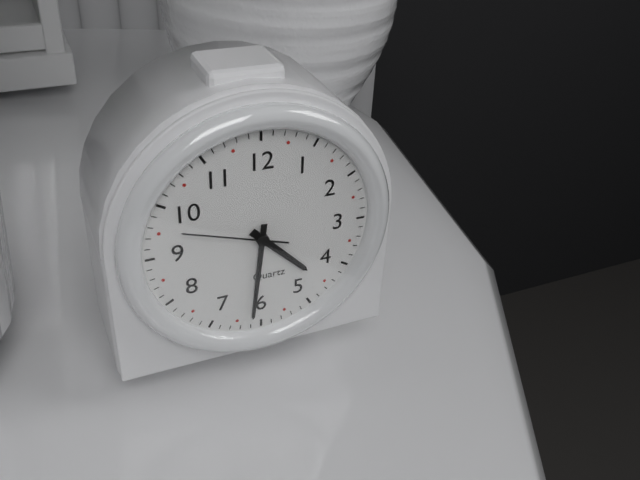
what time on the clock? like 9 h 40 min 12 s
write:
4 h 31 min 48 s
